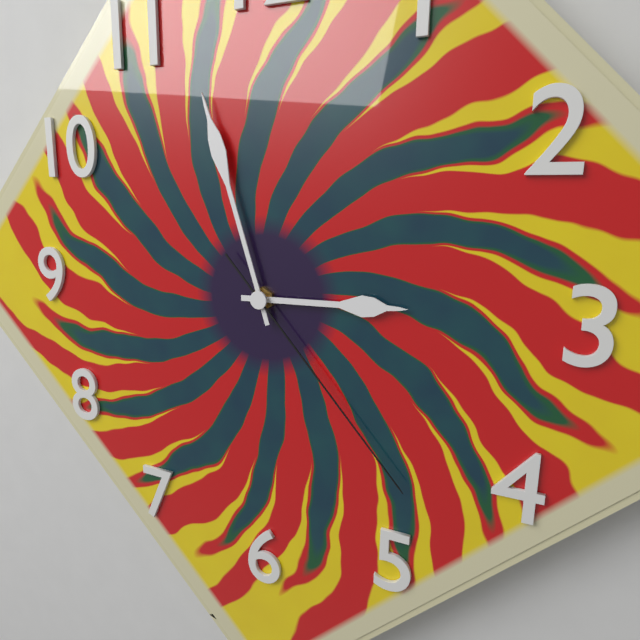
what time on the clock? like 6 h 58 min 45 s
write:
2 h 57 min 23 s
